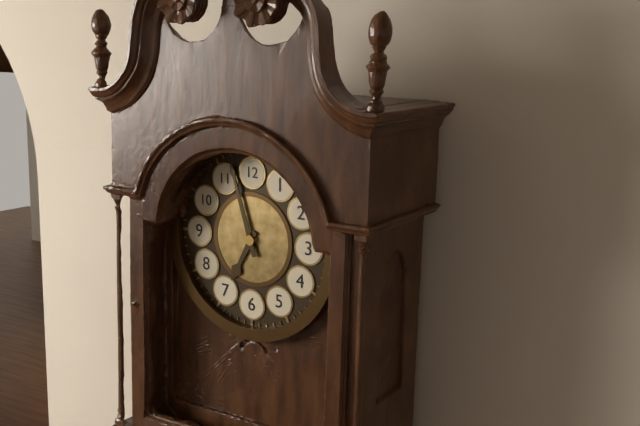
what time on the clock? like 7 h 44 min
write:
6 h 57 min
